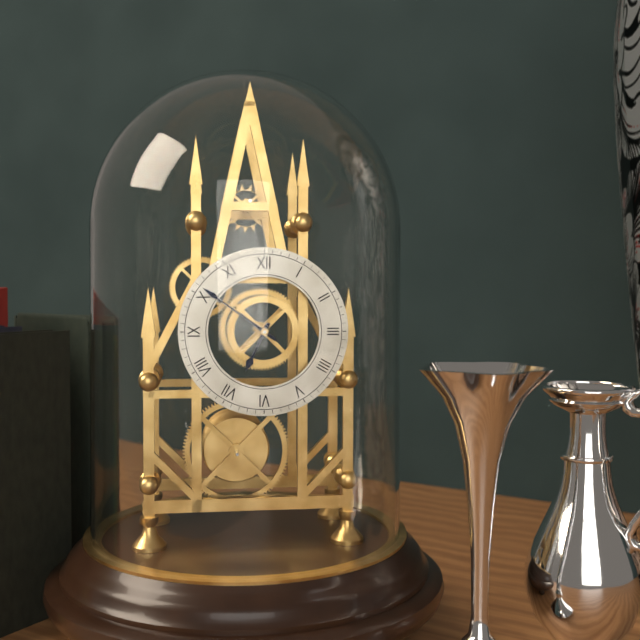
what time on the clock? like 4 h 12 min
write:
6 h 51 min
